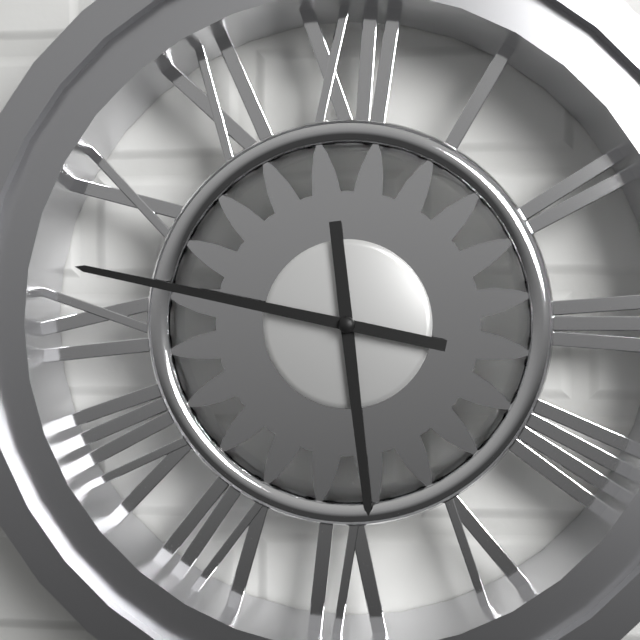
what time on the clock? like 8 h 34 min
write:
5 h 47 min
